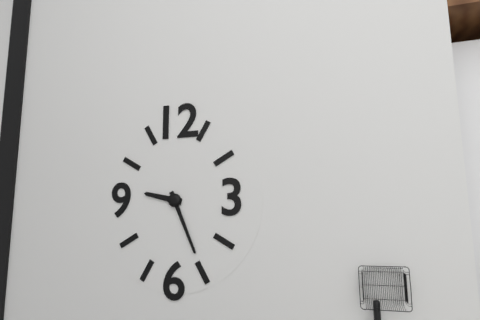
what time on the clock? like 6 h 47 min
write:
9 h 26 min
